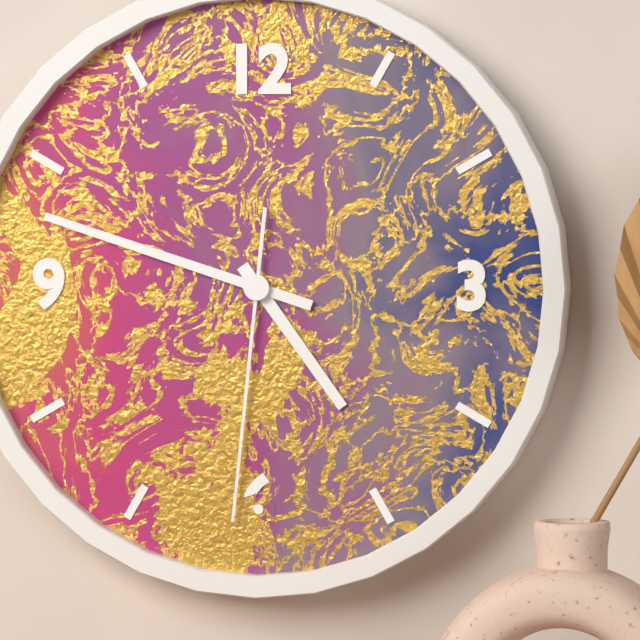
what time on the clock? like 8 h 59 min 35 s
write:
4 h 48 min 31 s
